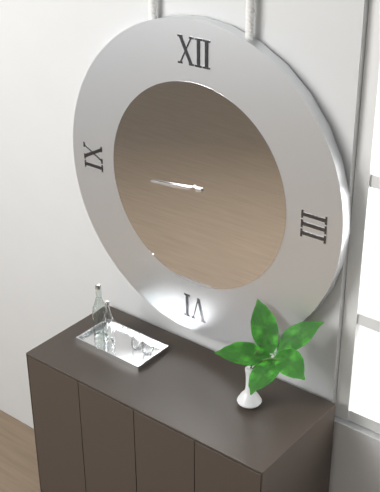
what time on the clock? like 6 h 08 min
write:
8 h 44 min
